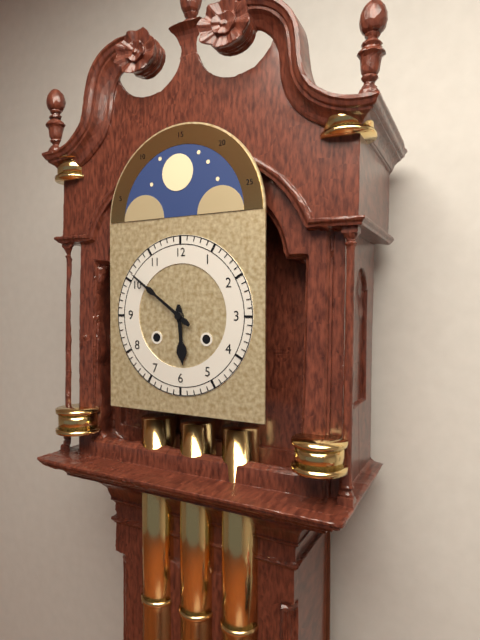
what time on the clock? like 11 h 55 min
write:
5 h 51 min
